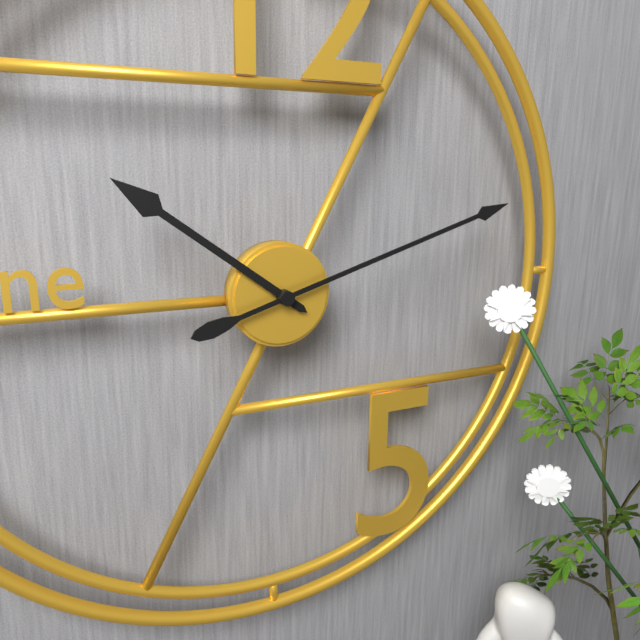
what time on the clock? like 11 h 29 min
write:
10 h 12 min
